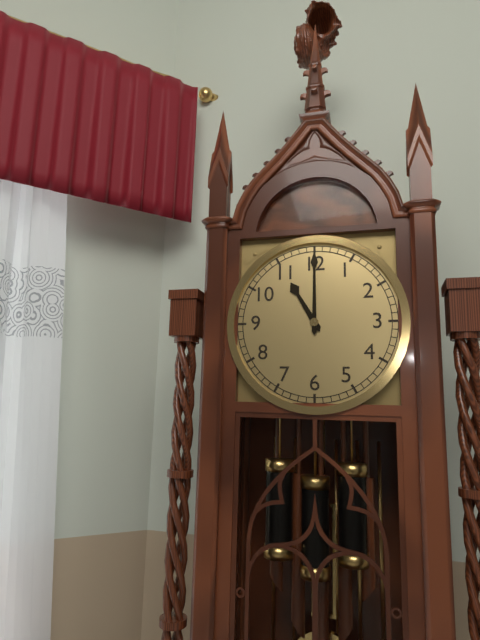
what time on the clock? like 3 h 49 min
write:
11 h 00 min
